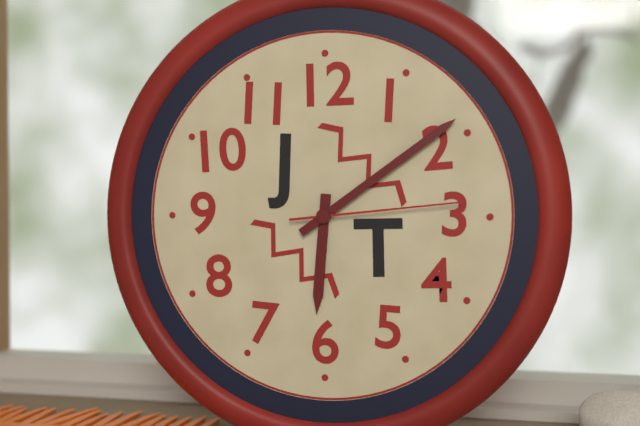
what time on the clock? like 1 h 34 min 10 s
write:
6 h 09 min 14 s
